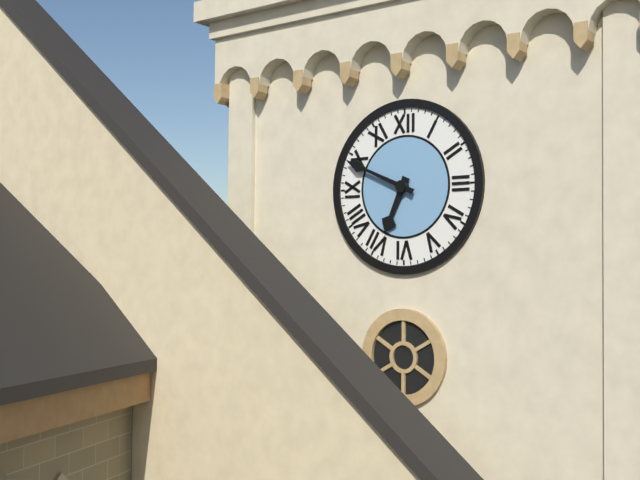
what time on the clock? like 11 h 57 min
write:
6 h 49 min
